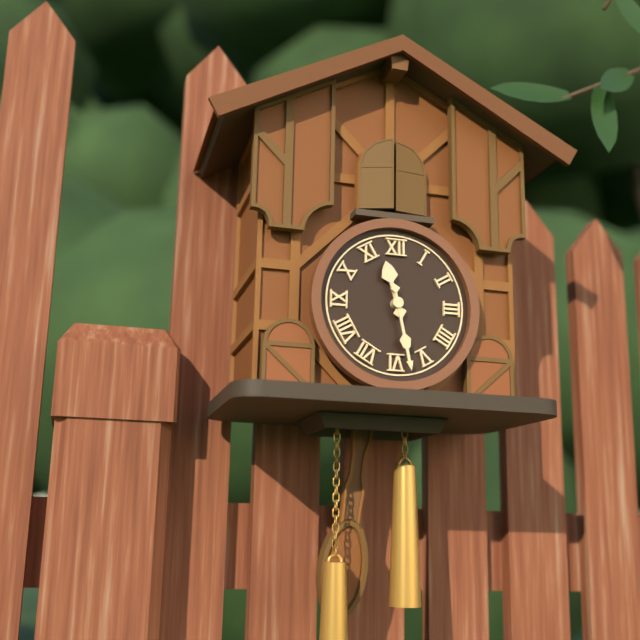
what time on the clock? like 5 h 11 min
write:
11 h 28 min
